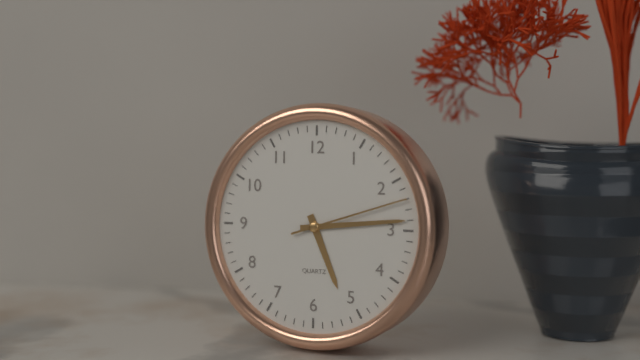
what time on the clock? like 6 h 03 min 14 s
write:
5 h 14 min 12 s
